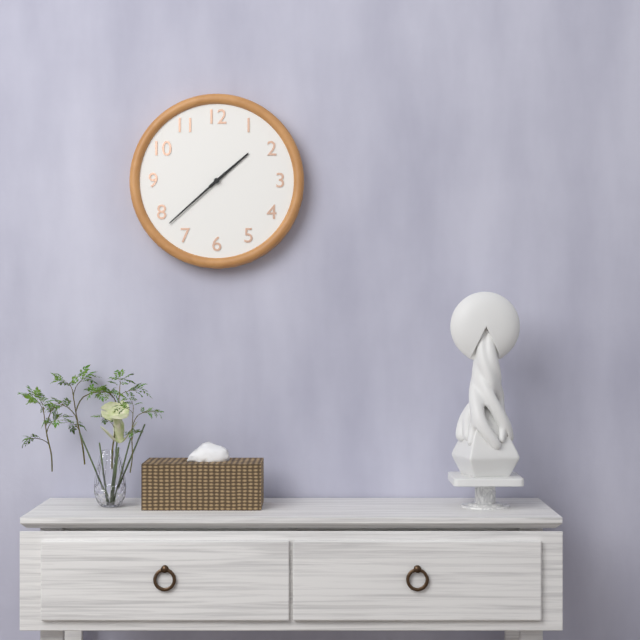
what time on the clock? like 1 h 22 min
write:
1 h 38 min
